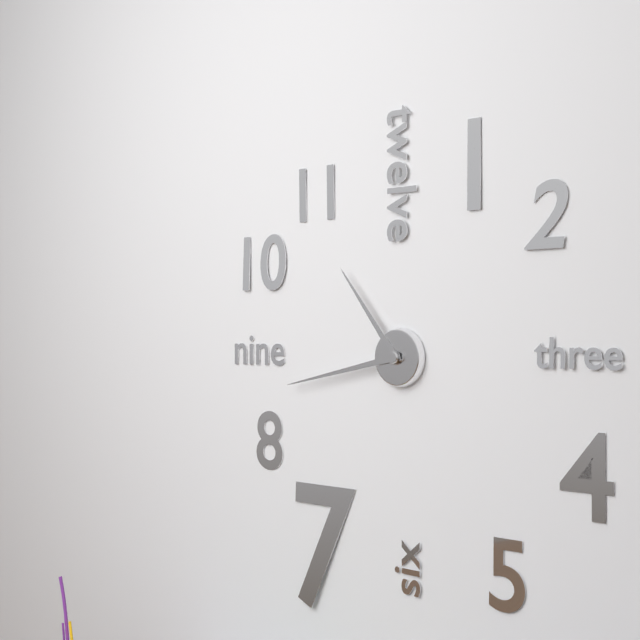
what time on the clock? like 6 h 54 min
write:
10 h 43 min
